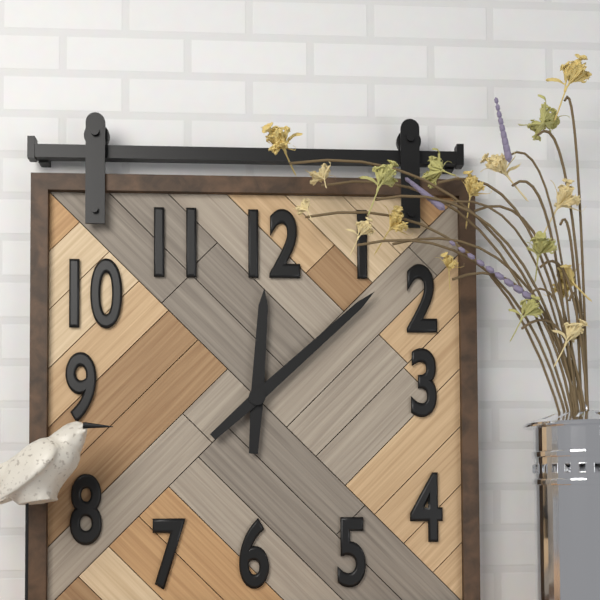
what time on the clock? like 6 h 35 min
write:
12 h 08 min
